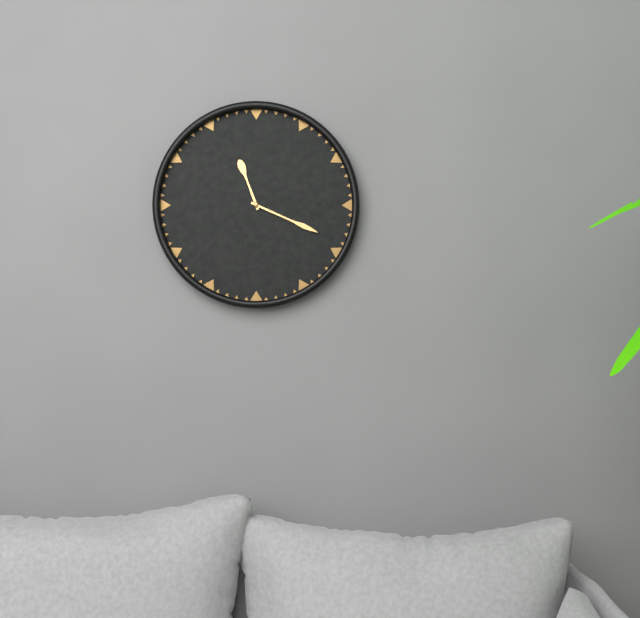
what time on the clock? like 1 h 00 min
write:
11 h 19 min
